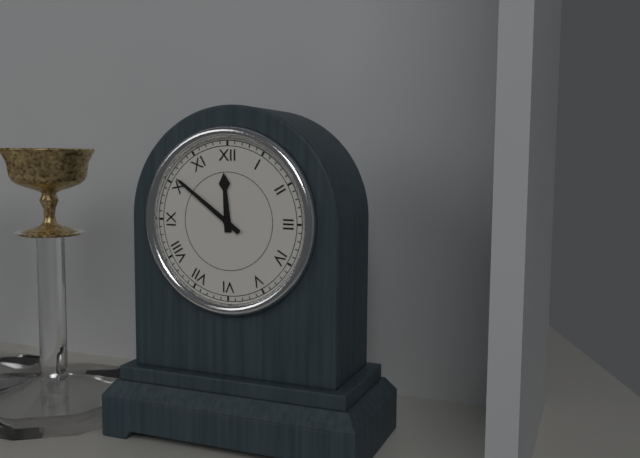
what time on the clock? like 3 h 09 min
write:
11 h 51 min
